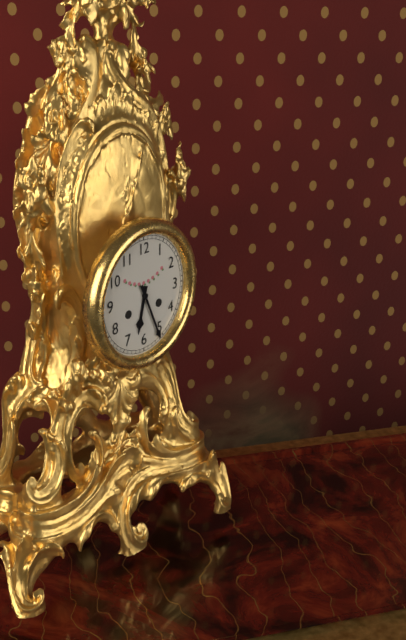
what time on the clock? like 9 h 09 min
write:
6 h 26 min
